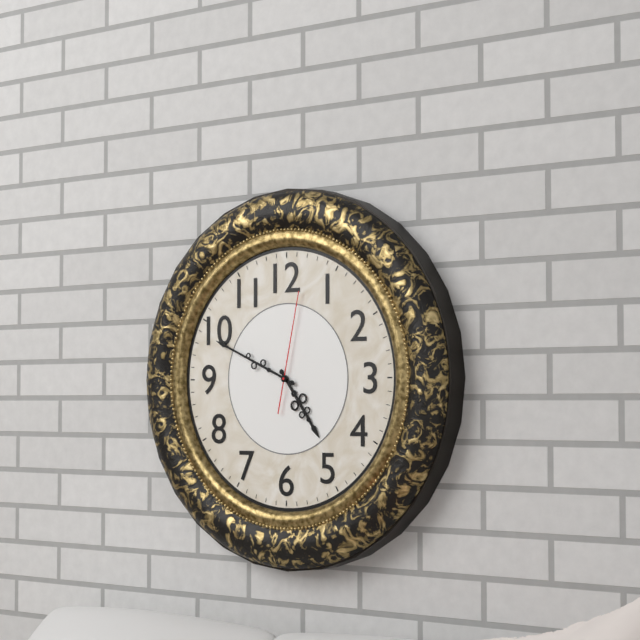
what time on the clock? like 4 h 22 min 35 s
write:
4 h 49 min 02 s
